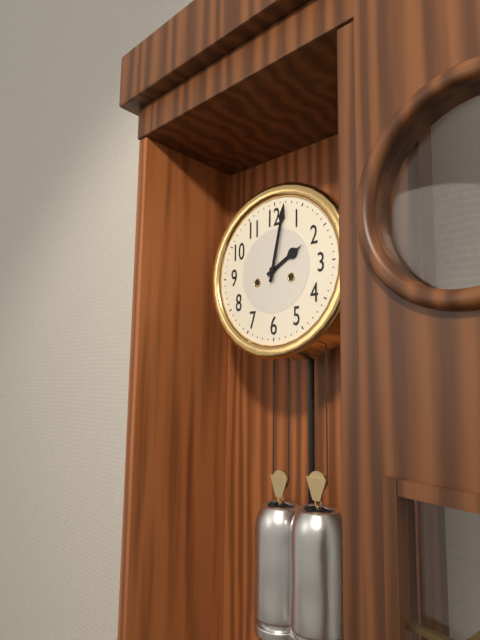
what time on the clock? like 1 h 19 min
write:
2 h 02 min
